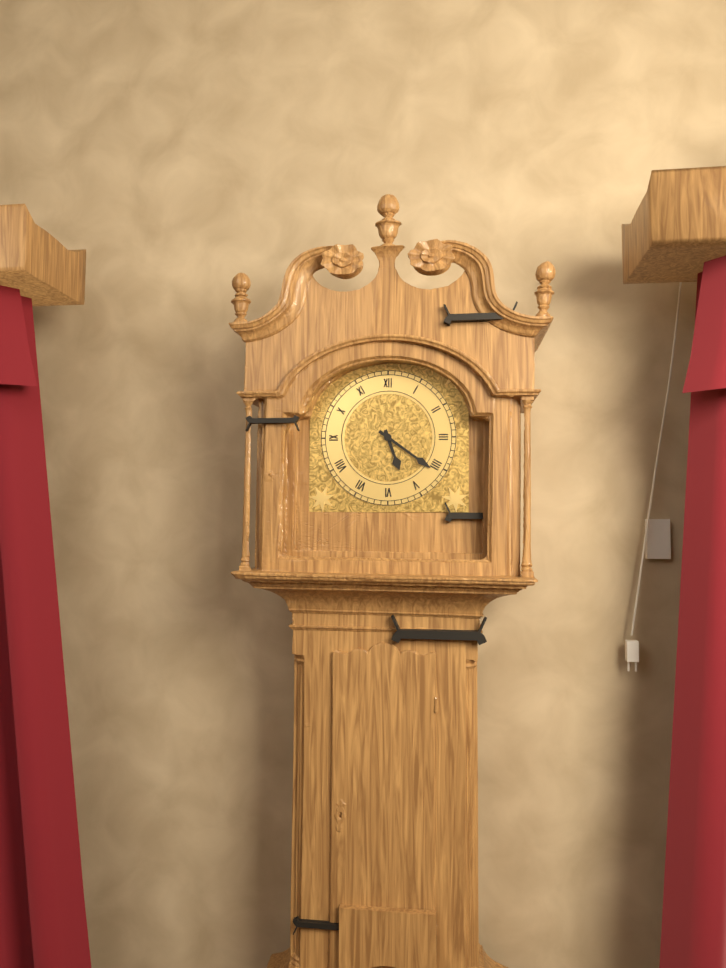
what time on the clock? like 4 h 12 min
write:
5 h 21 min
